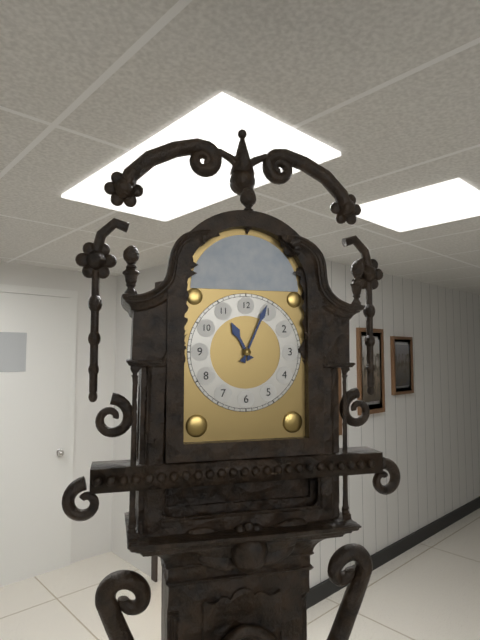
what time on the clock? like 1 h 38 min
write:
11 h 04 min
